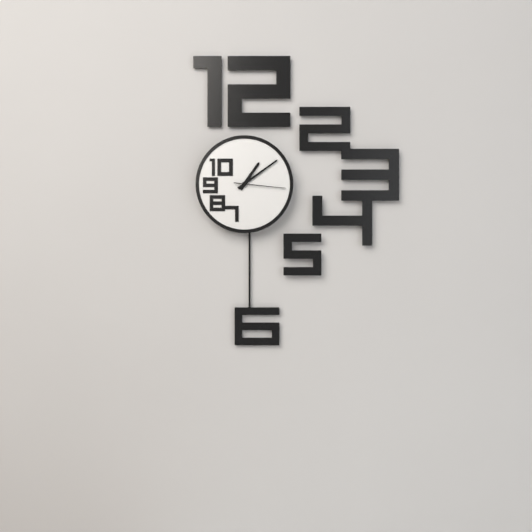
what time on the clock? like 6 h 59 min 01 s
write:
1 h 09 min 16 s
